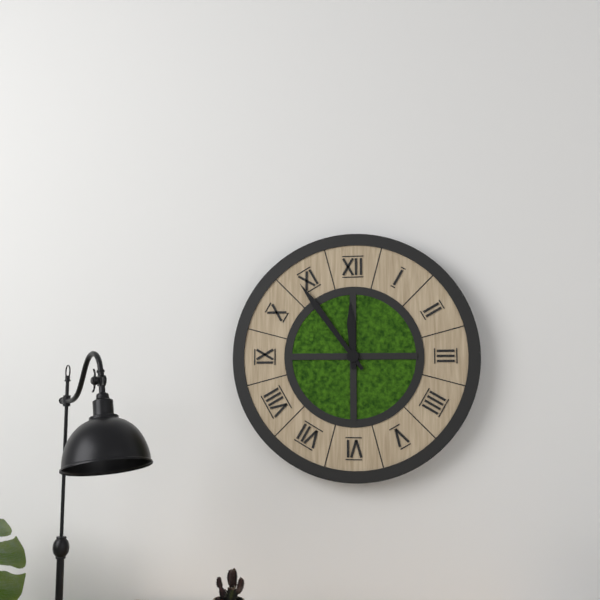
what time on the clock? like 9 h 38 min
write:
11 h 54 min
